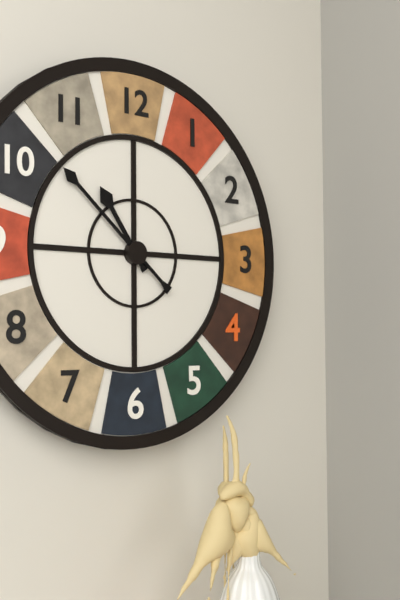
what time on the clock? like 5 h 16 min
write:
10 h 52 min
